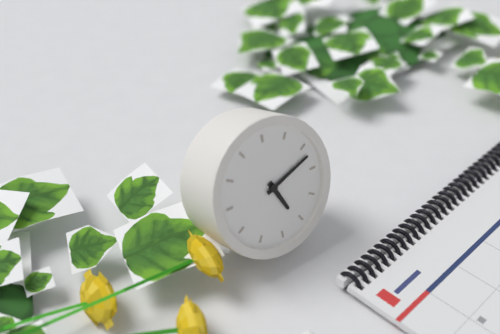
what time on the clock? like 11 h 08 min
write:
5 h 12 min
